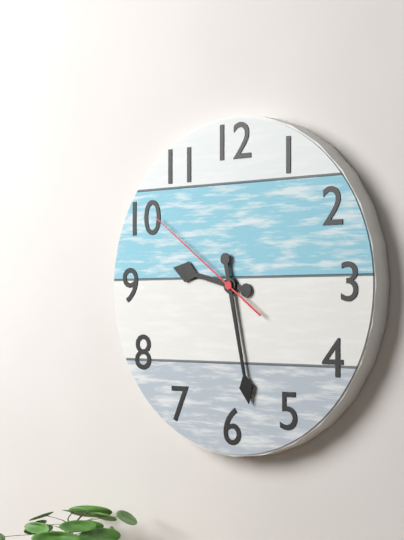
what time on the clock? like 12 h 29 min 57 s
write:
9 h 28 min 51 s
